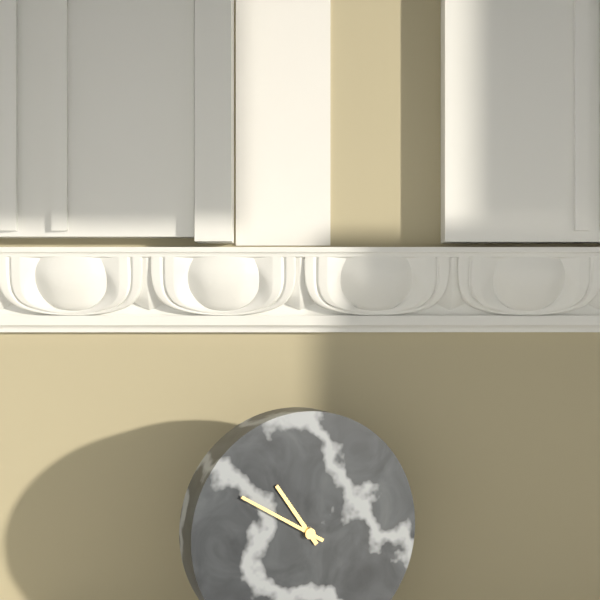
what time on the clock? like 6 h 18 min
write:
10 h 50 min
